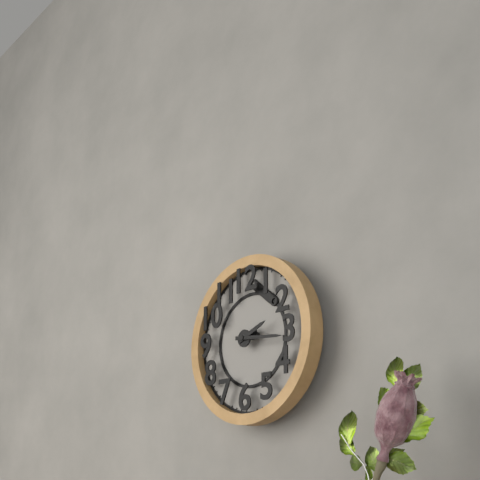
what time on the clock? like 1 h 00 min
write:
2 h 16 min
